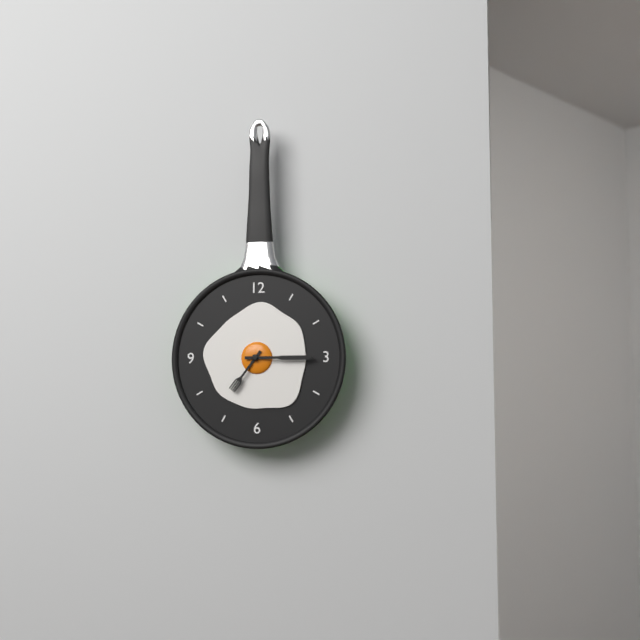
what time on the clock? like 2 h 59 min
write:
7 h 15 min
